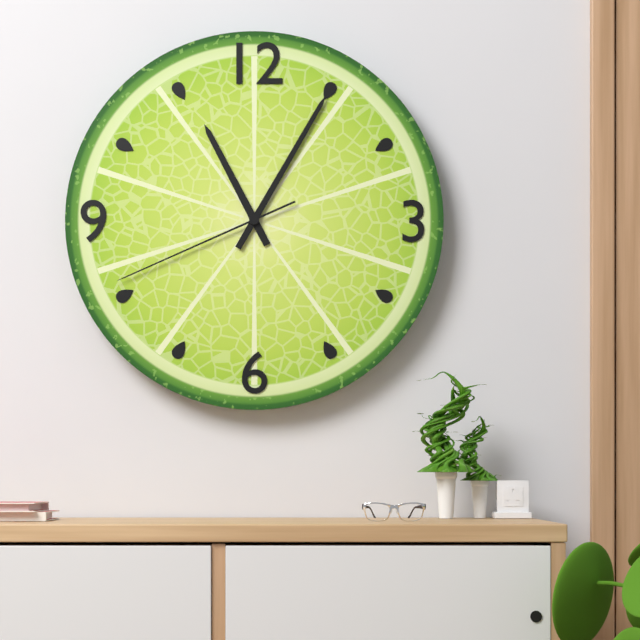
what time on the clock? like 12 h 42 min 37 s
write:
11 h 05 min 41 s
